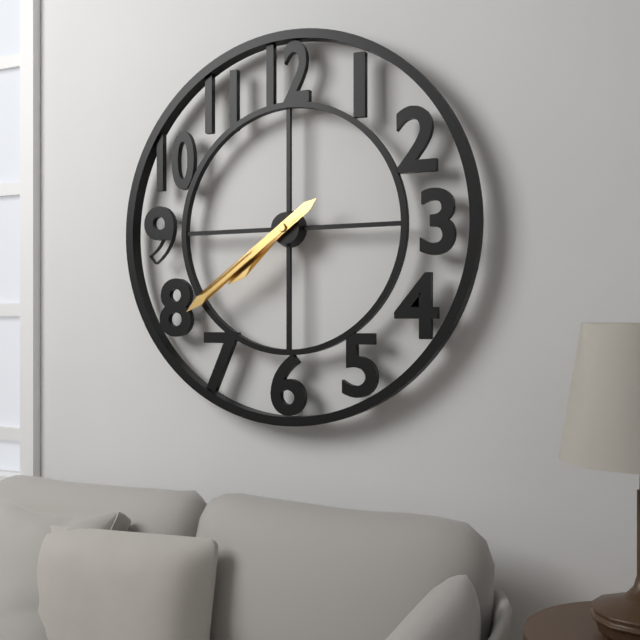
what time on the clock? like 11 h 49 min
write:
7 h 39 min
